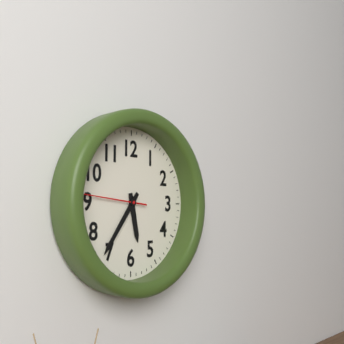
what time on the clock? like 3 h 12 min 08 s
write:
5 h 36 min 46 s
